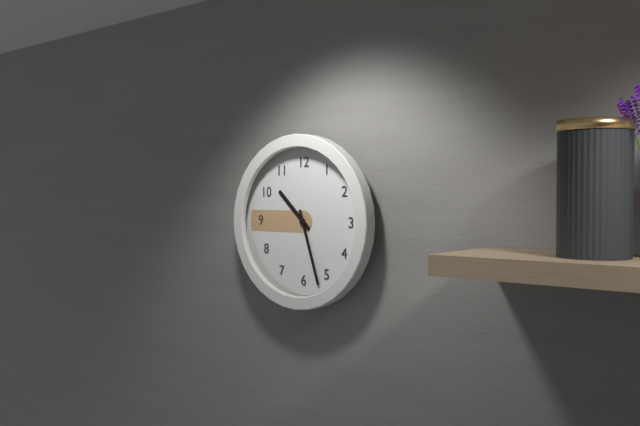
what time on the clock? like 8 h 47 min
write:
10 h 27 min
